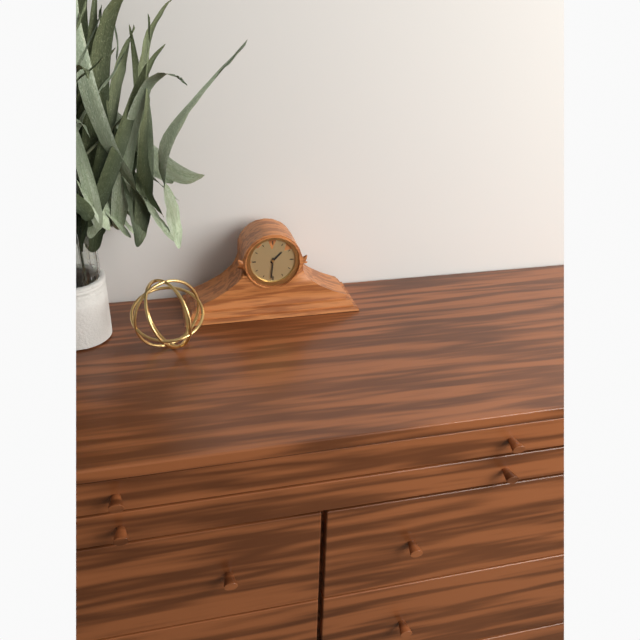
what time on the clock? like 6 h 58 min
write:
1 h 31 min
